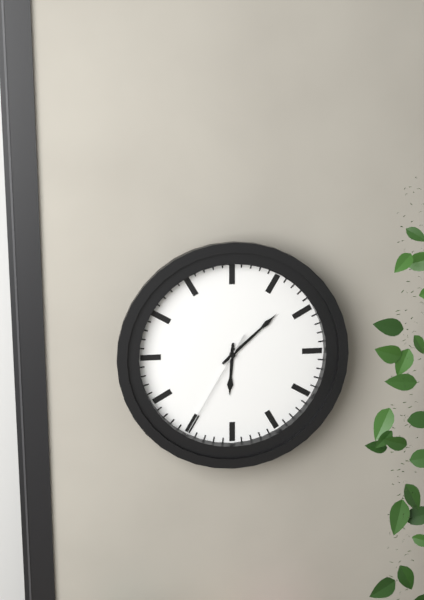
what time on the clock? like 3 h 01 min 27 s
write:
6 h 08 min 35 s
